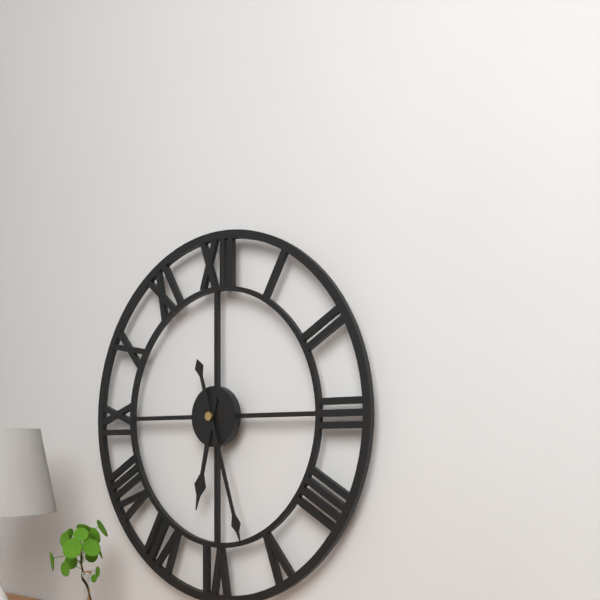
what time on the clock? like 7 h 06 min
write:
6 h 27 min
